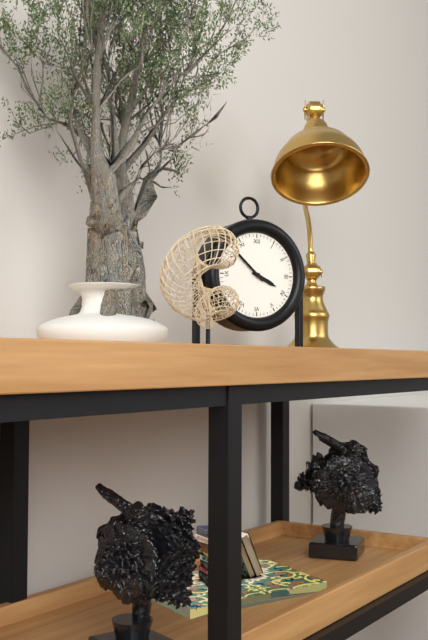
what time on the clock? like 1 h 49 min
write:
3 h 52 min
